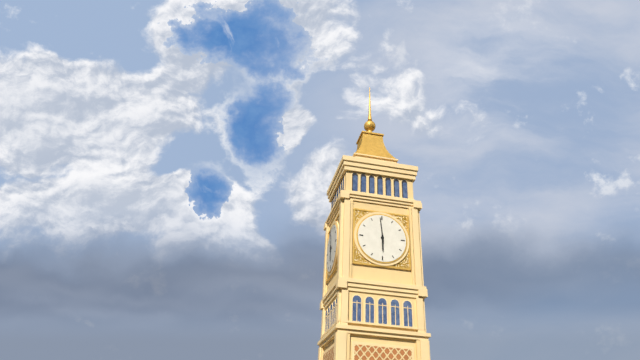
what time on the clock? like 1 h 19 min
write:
5 h 59 min
